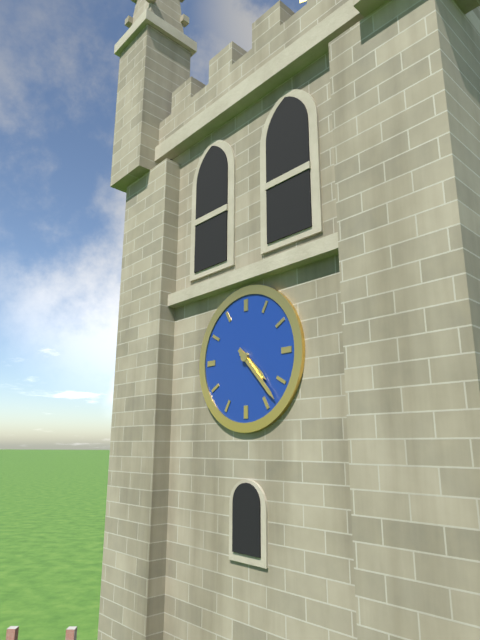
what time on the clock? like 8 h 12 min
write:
4 h 23 min
